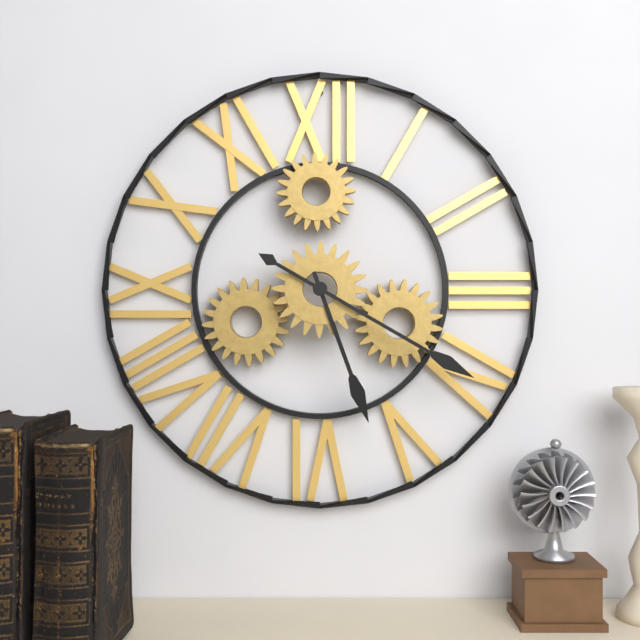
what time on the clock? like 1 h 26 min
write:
5 h 20 min
